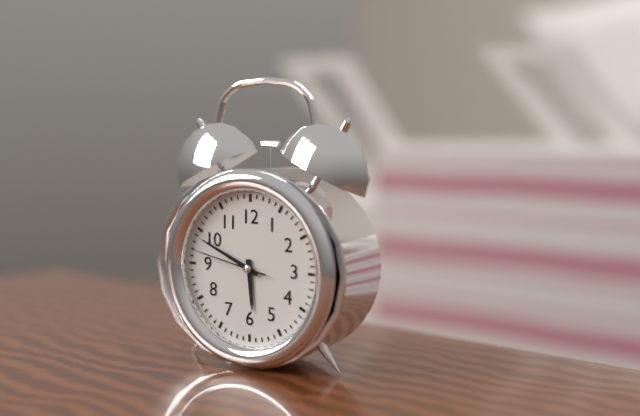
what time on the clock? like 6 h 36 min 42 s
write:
5 h 49 min 47 s
